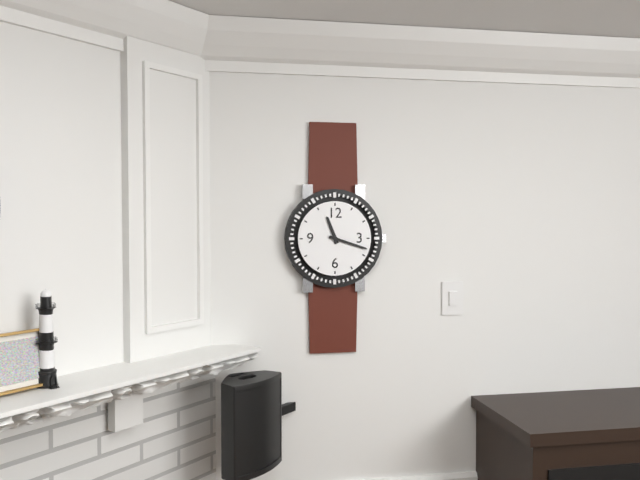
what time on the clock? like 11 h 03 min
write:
11 h 18 min
